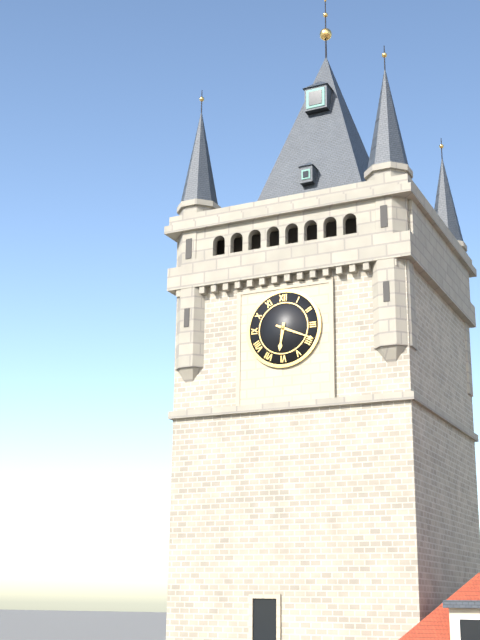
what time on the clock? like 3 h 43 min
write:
6 h 19 min
